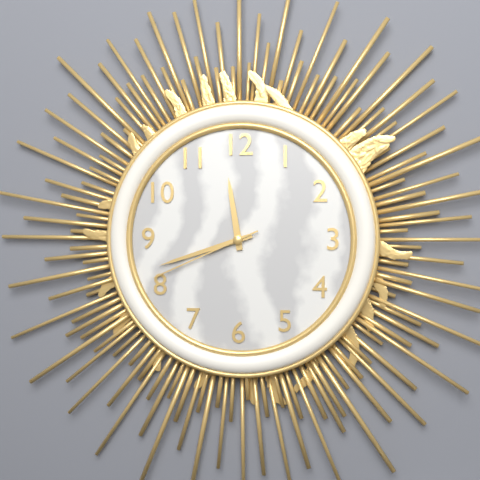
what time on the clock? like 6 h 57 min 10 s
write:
11 h 42 min 41 s
